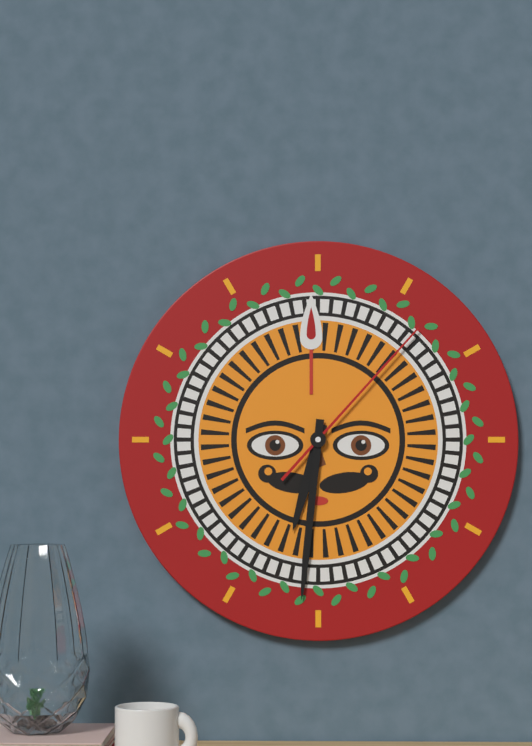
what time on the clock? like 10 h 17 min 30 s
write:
6 h 31 min 07 s
